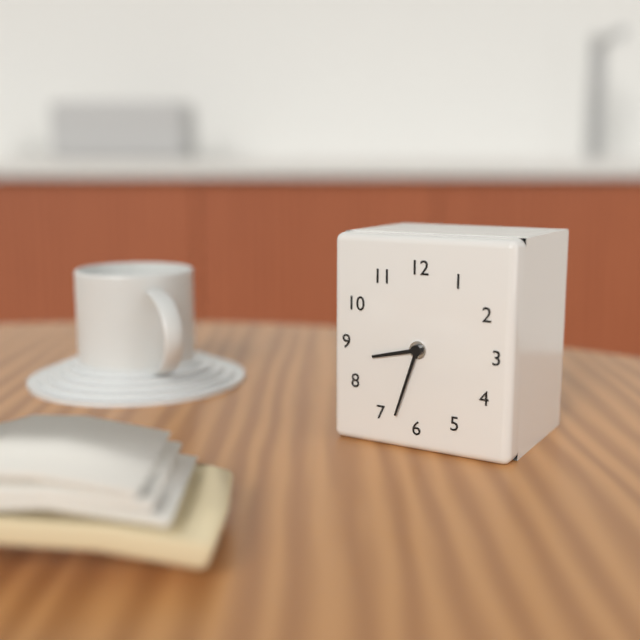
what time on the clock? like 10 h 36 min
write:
8 h 33 min
